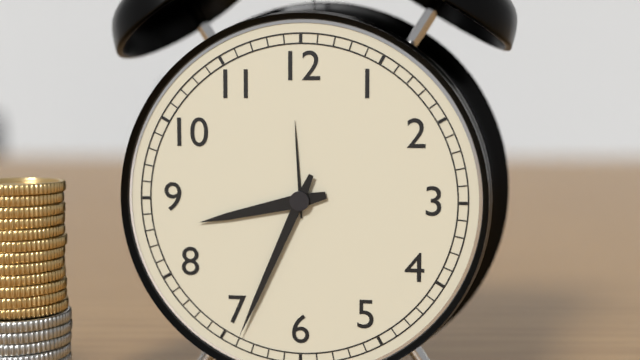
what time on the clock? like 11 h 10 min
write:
8 h 34 min
